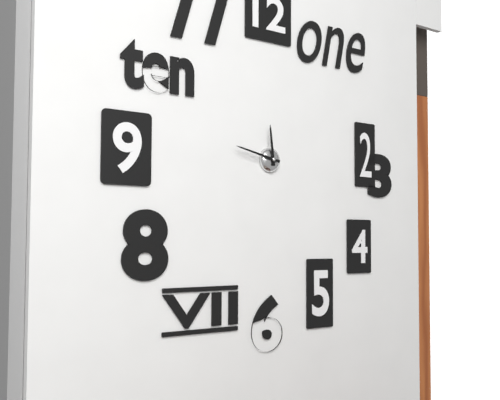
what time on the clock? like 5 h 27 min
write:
11 h 47 min
